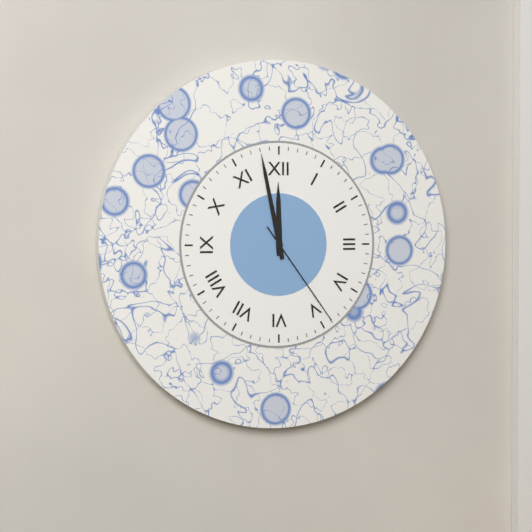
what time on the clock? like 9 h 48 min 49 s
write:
11 h 58 min 24 s
